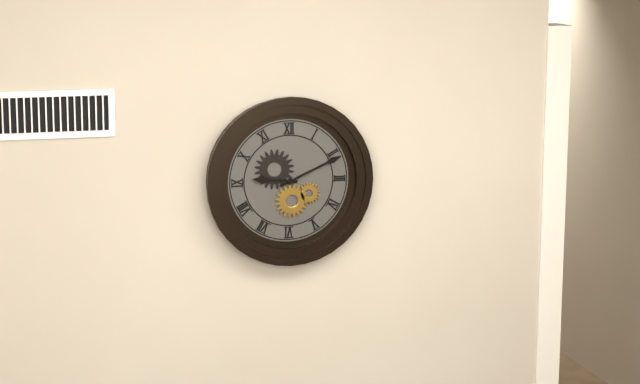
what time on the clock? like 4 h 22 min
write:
9 h 11 min
